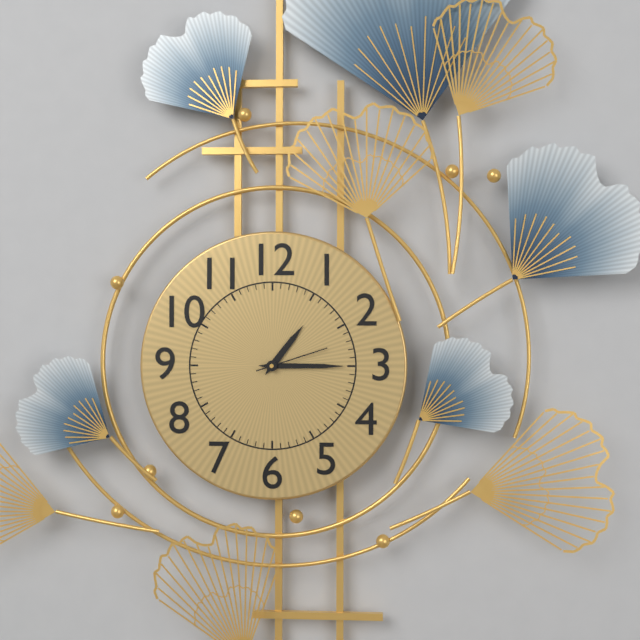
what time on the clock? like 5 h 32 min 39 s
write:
1 h 15 min 12 s
